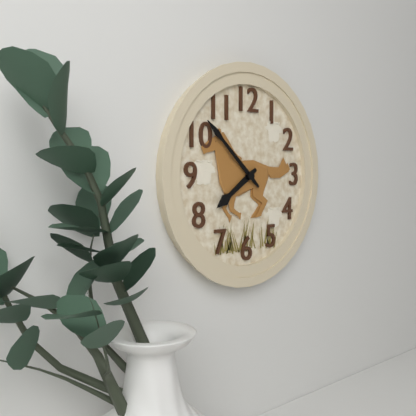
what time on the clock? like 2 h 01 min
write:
7 h 52 min
